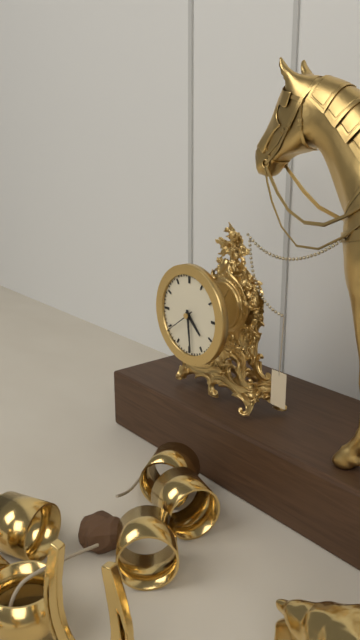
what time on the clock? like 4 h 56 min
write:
4 h 29 min
